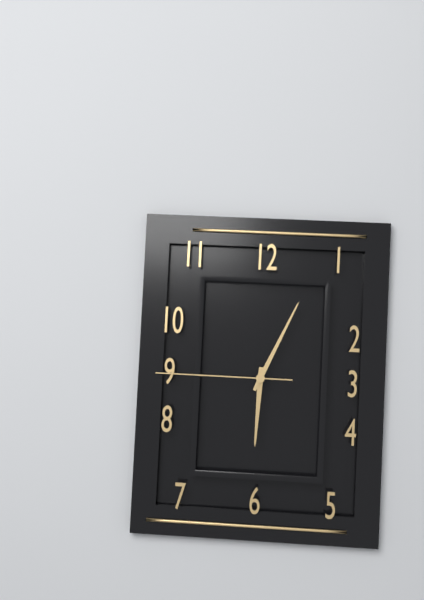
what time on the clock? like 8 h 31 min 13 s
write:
6 h 04 min 45 s
